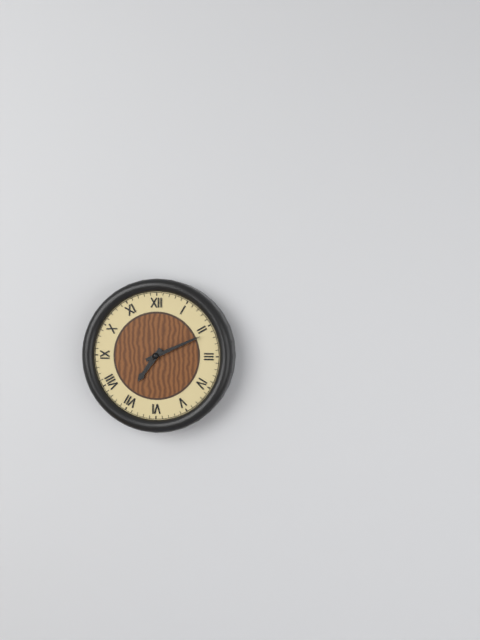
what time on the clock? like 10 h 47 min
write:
7 h 11 min
